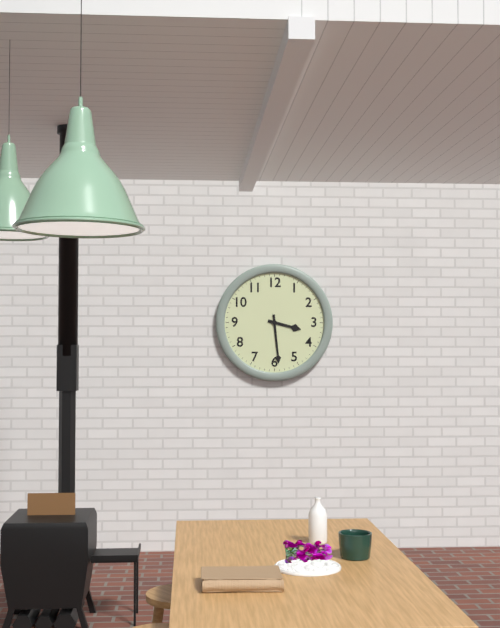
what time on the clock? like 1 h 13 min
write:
3 h 29 min
